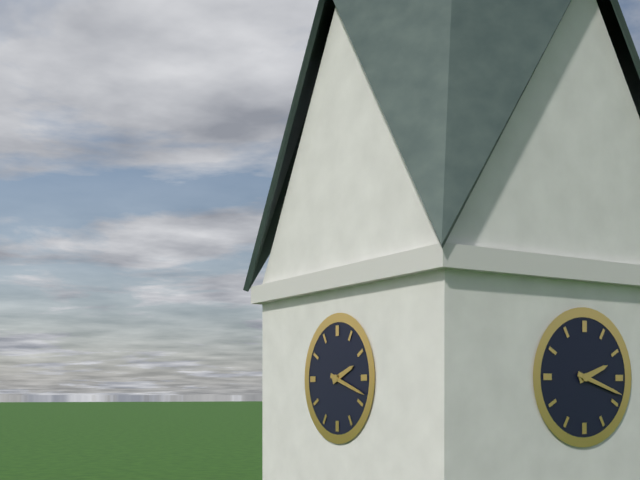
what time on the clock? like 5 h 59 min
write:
2 h 18 min
